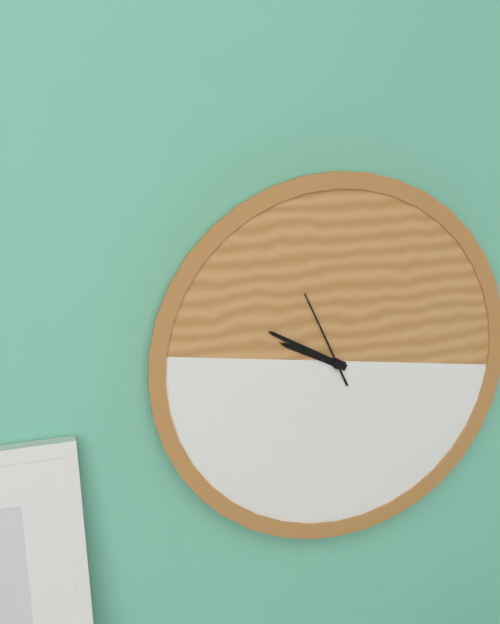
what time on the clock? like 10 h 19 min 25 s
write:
9 h 50 min 56 s
